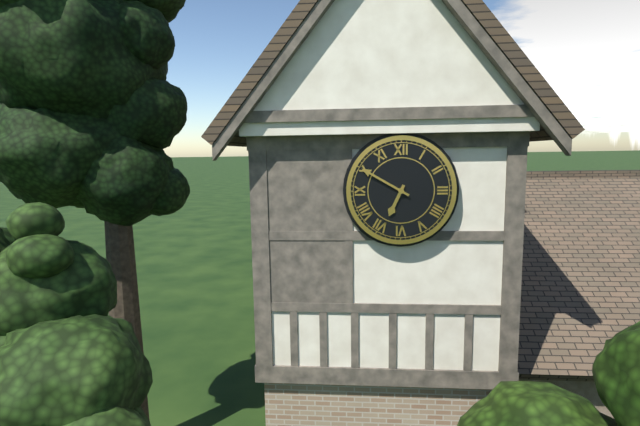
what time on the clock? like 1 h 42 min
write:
6 h 50 min
